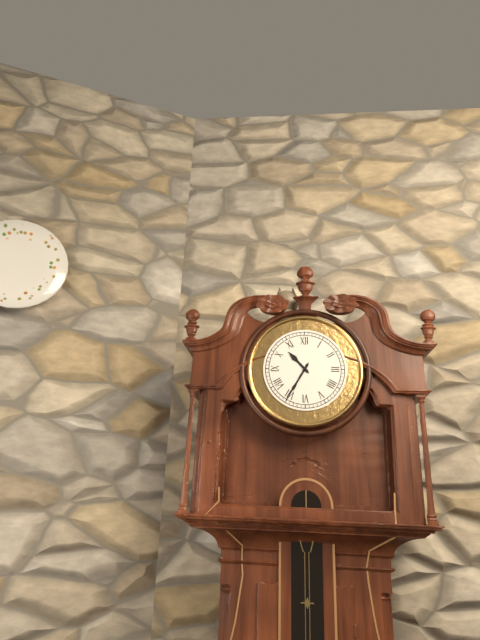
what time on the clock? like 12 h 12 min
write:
10 h 35 min
